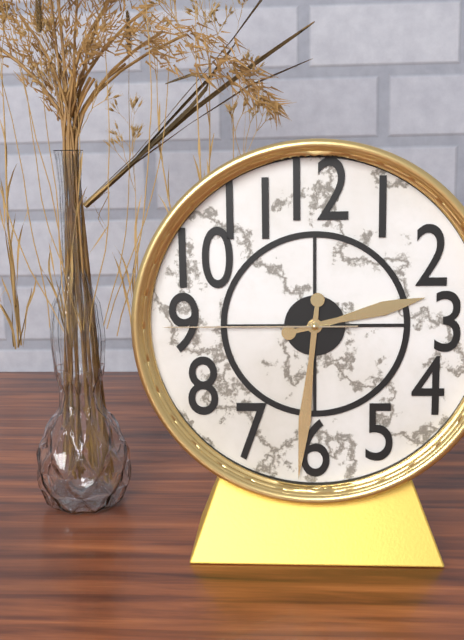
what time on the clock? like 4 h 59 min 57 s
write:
2 h 31 min 45 s
